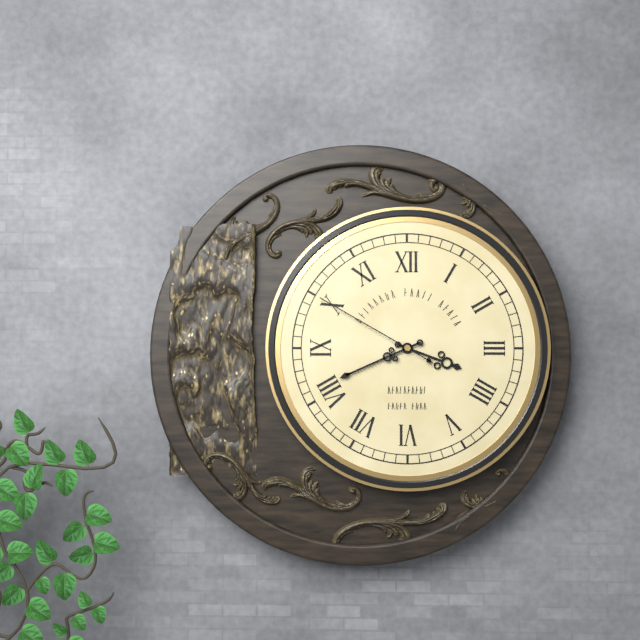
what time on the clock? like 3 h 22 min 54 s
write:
3 h 41 min 50 s
